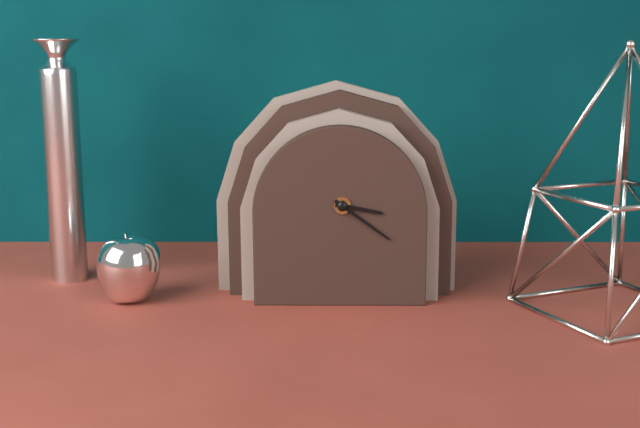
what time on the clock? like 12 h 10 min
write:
3 h 21 min
